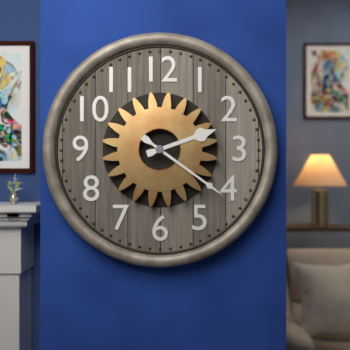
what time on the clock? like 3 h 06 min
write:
2 h 21 min
